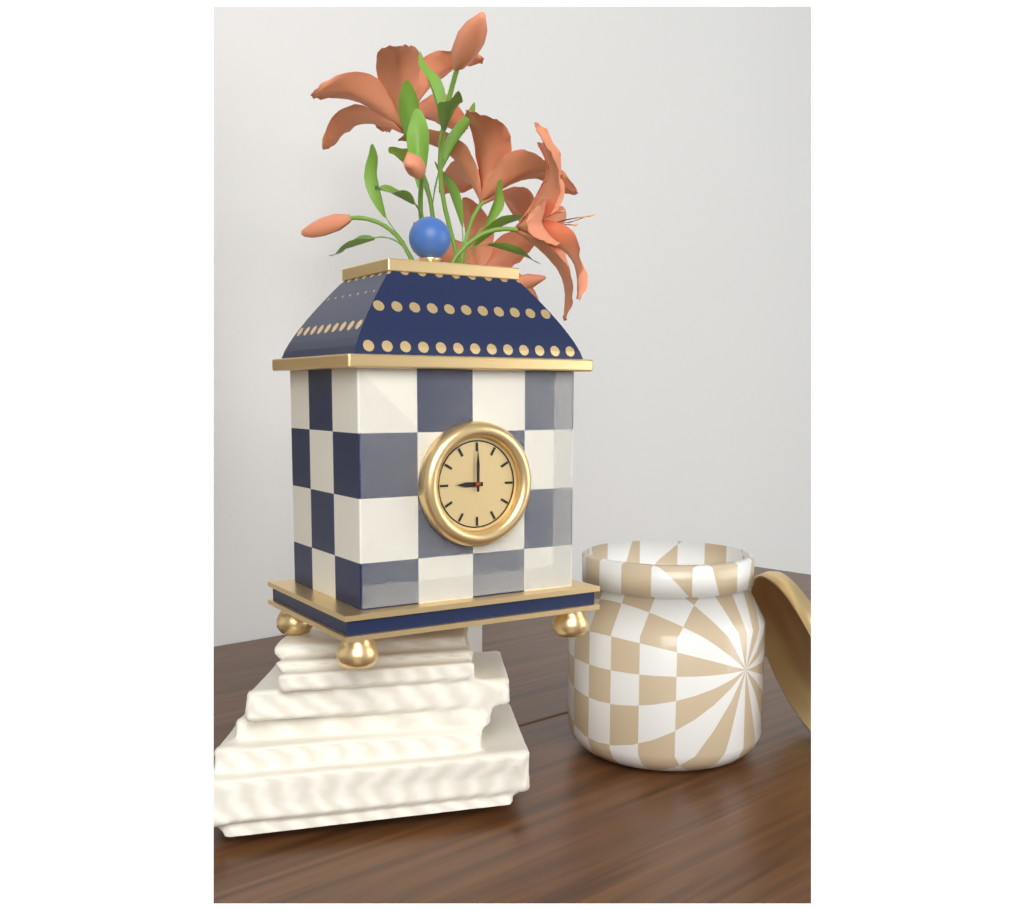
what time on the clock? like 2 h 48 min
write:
9 h 00 min
